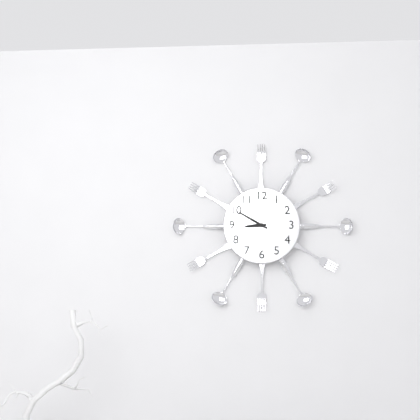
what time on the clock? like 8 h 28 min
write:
8 h 50 min
